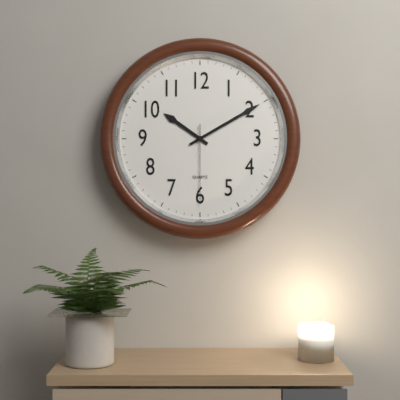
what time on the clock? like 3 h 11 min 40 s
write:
10 h 10 min 30 s
